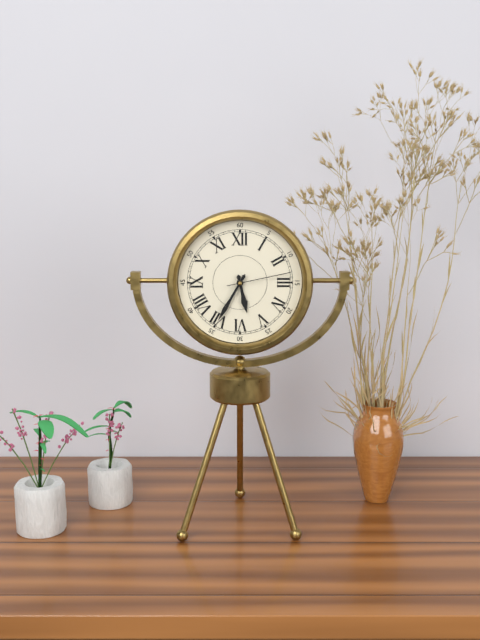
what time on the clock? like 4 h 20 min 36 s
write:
5 h 35 min 13 s
